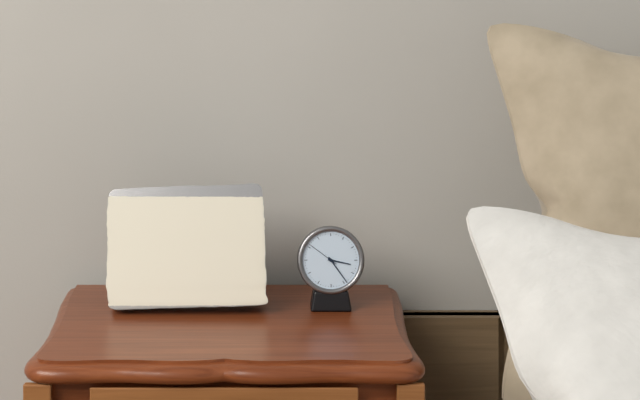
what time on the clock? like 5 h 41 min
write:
3 h 24 min
